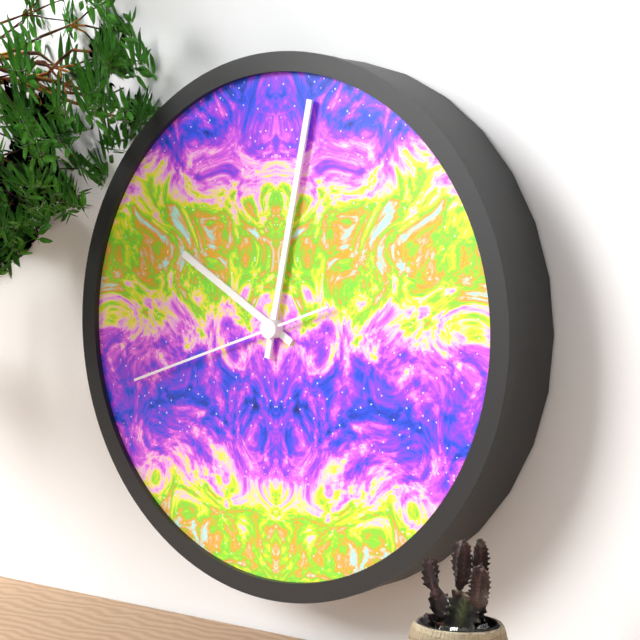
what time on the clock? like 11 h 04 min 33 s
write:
10 h 02 min 42 s
